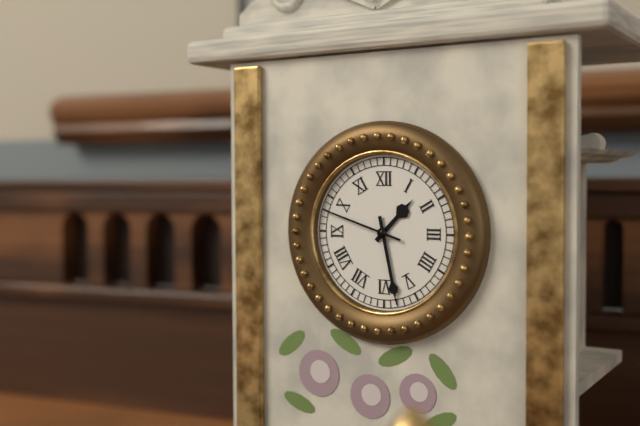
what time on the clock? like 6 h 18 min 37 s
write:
1 h 28 min 48 s
